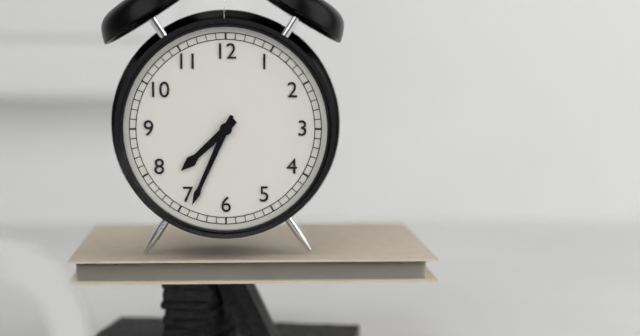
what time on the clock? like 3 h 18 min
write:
7 h 34 min
